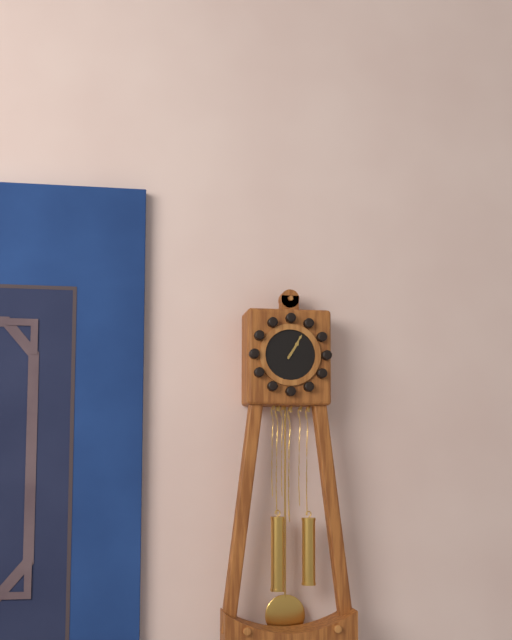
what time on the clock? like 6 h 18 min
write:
1 h 05 min
